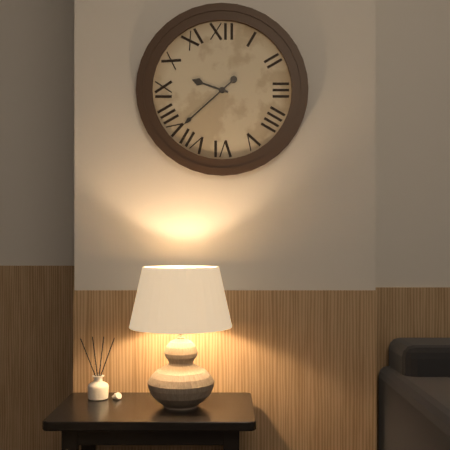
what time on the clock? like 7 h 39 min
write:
9 h 38 min
